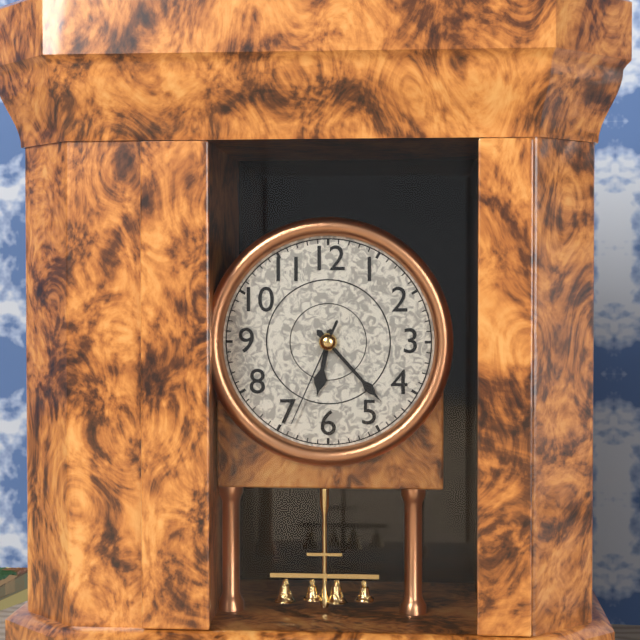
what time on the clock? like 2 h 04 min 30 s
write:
6 h 23 min 34 s
